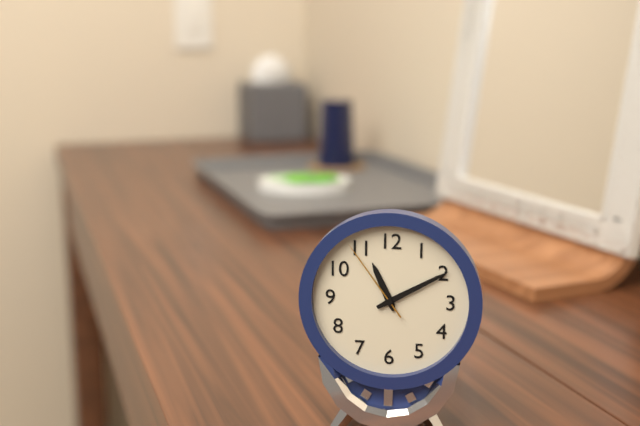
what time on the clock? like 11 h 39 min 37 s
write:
11 h 10 min 54 s
